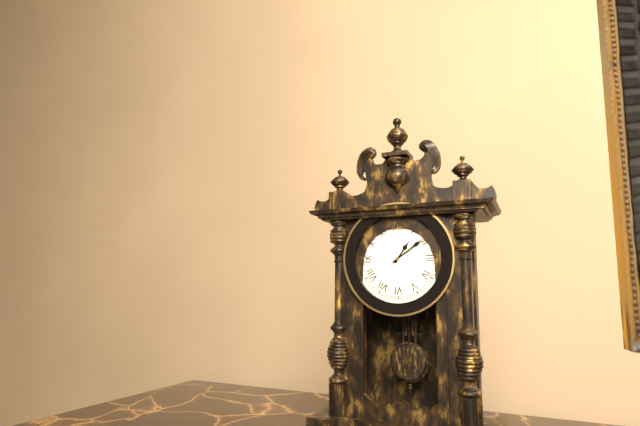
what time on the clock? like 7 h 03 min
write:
1 h 09 min
